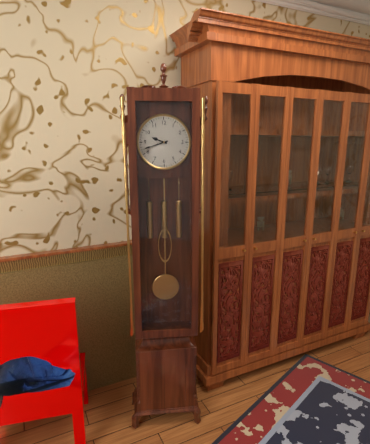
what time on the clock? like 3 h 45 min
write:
9 h 42 min
